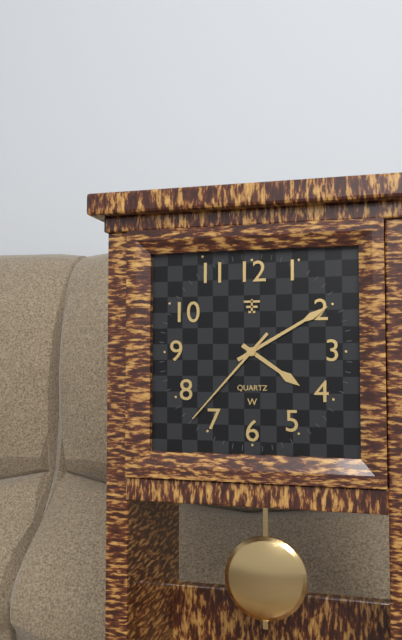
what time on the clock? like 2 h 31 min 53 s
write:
4 h 10 min 37 s
